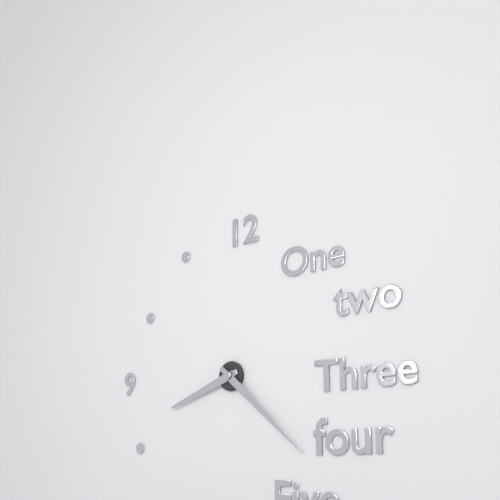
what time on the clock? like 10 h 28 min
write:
8 h 22 min
